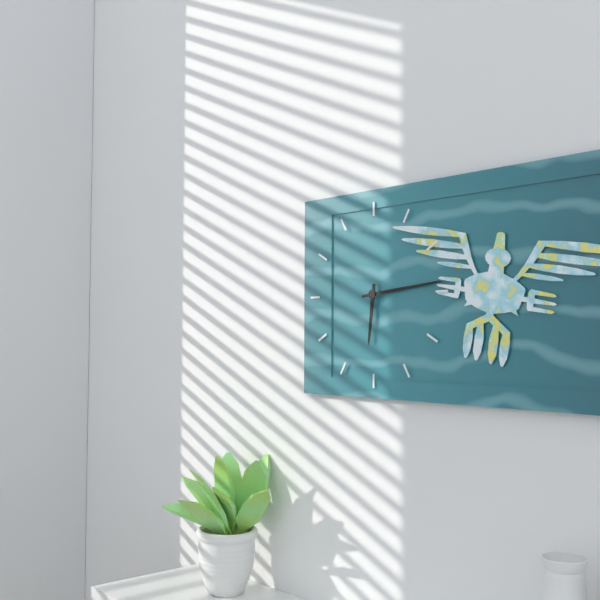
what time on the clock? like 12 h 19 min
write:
6 h 14 min
